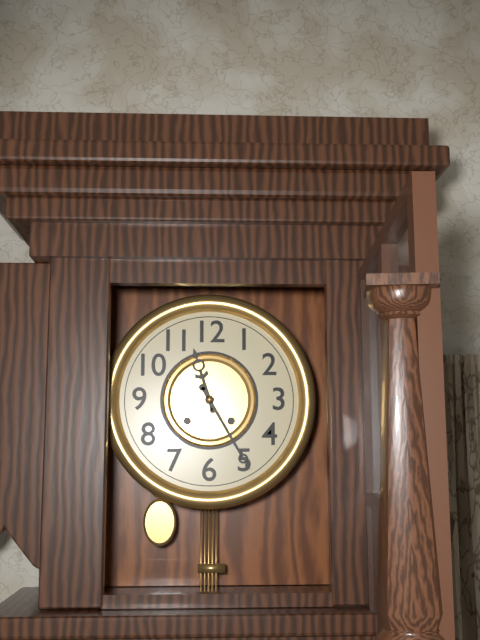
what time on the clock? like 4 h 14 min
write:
11 h 25 min
